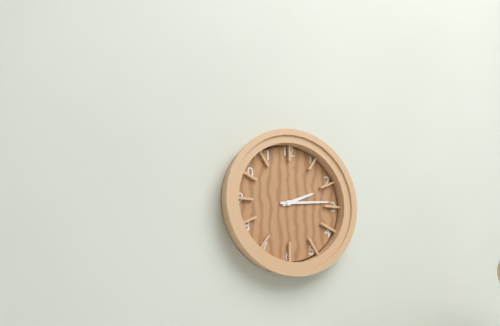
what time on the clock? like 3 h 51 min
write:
2 h 14 min
